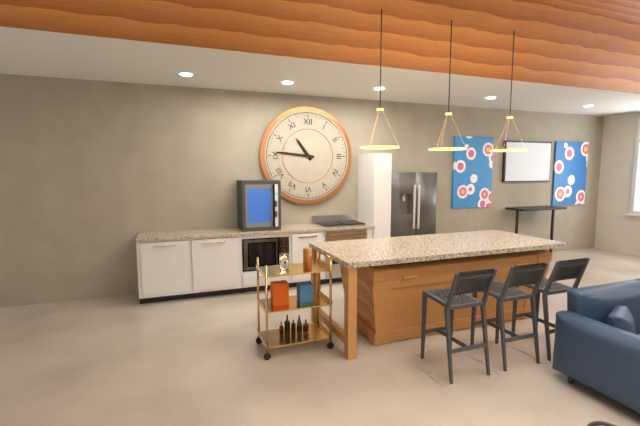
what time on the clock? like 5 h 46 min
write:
10 h 46 min
